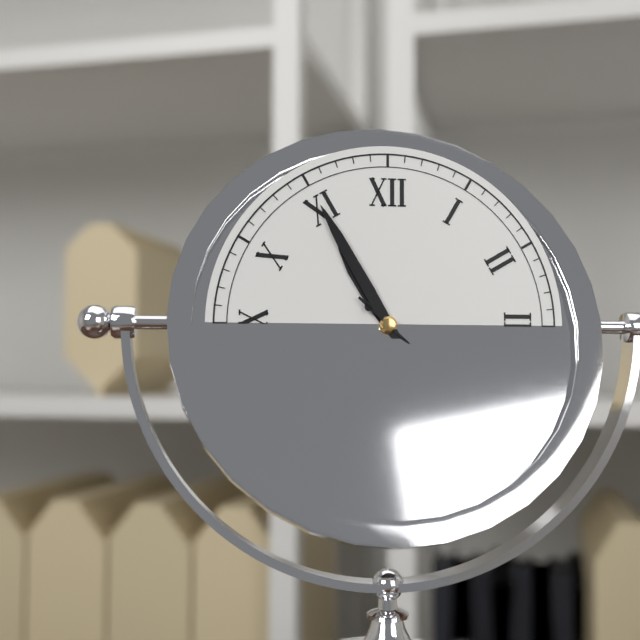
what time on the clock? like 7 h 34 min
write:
10 h 55 min
